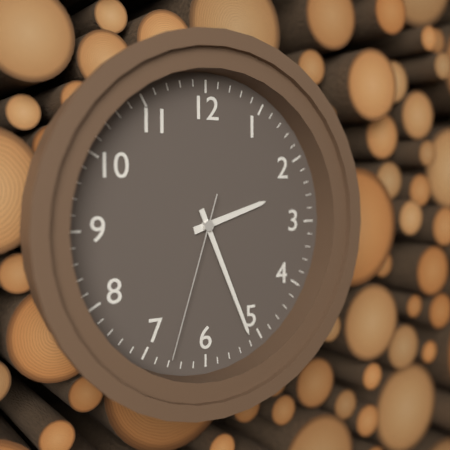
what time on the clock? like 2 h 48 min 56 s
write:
2 h 26 min 33 s
